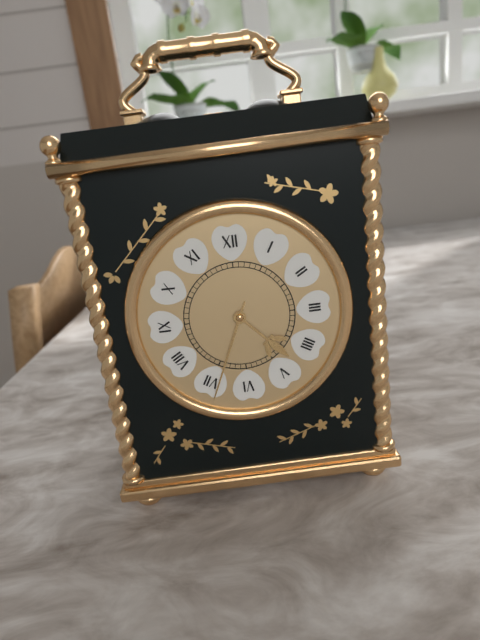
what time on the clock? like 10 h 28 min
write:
4 h 34 min
